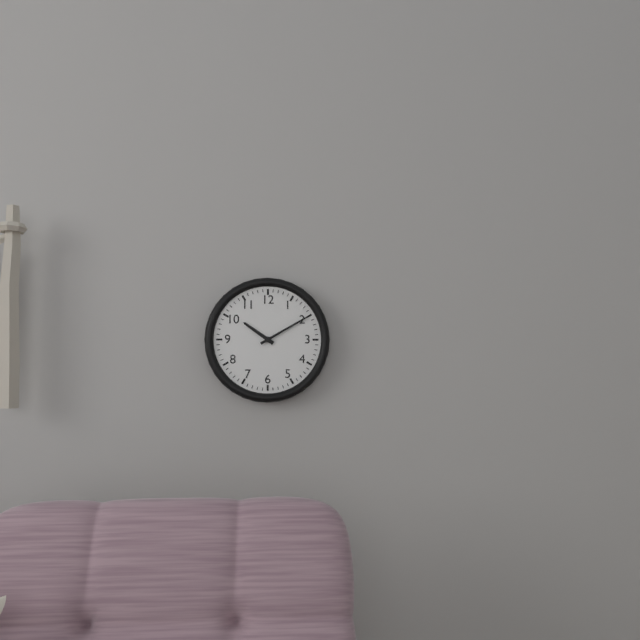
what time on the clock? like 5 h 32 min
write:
10 h 10 min
